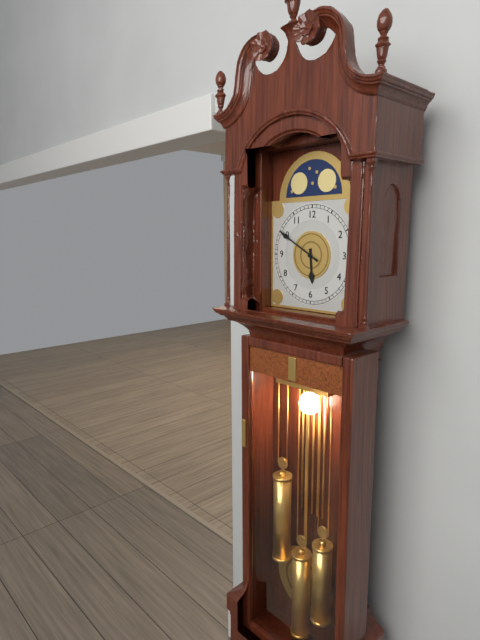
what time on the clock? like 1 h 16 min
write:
5 h 50 min
